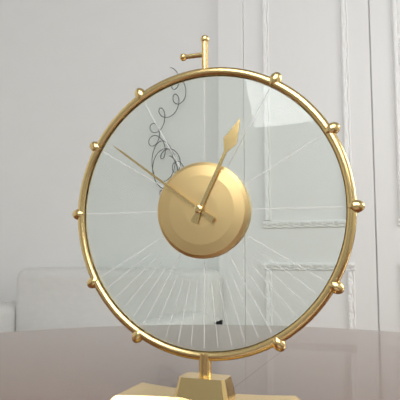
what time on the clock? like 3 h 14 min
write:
12 h 51 min
